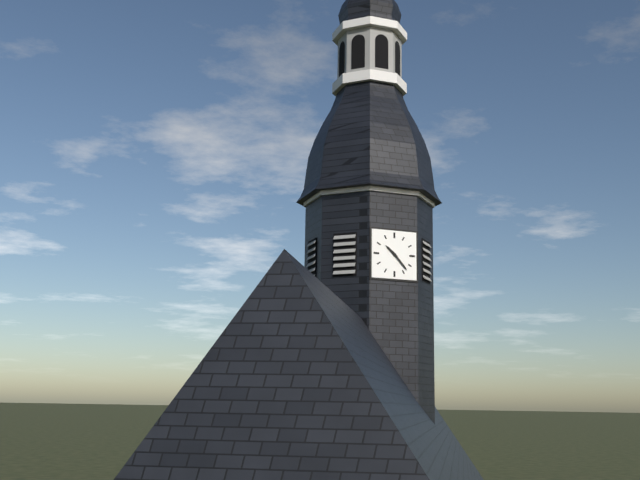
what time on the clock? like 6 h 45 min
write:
10 h 23 min
